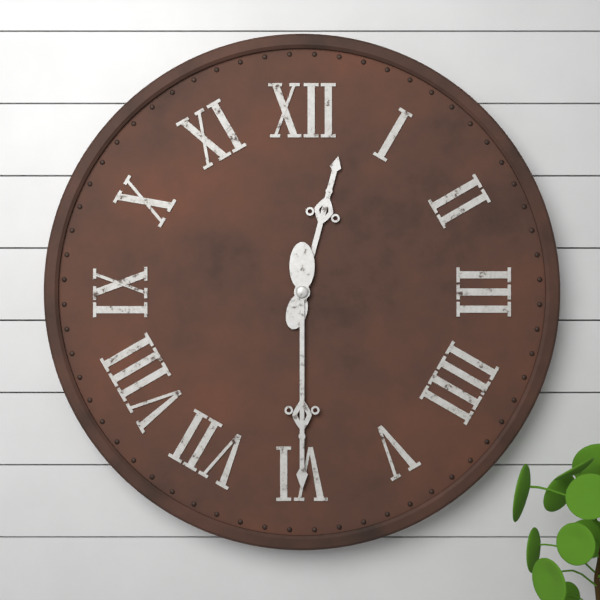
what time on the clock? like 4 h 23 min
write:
12 h 30 min
